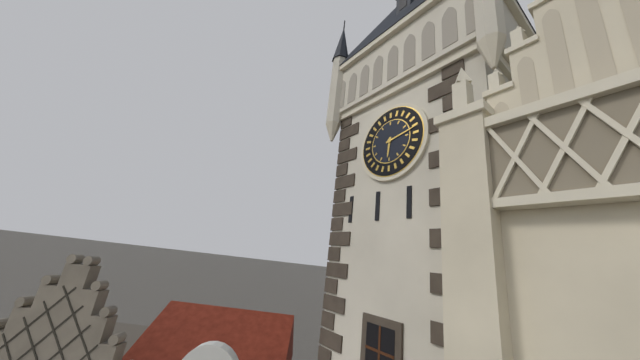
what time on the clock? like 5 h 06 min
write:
6 h 13 min
